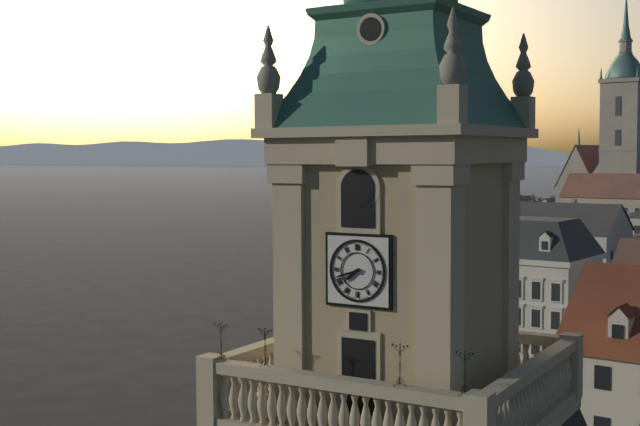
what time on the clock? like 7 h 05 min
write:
7 h 42 min
